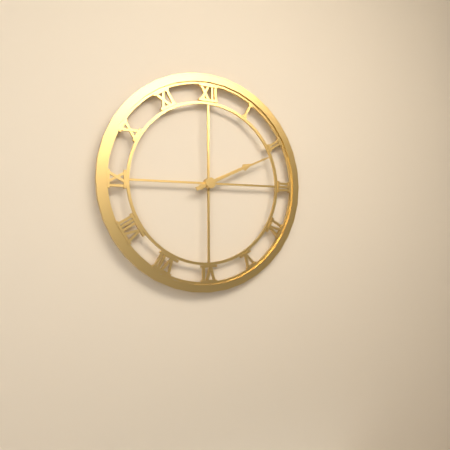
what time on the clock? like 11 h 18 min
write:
2 h 11 min
